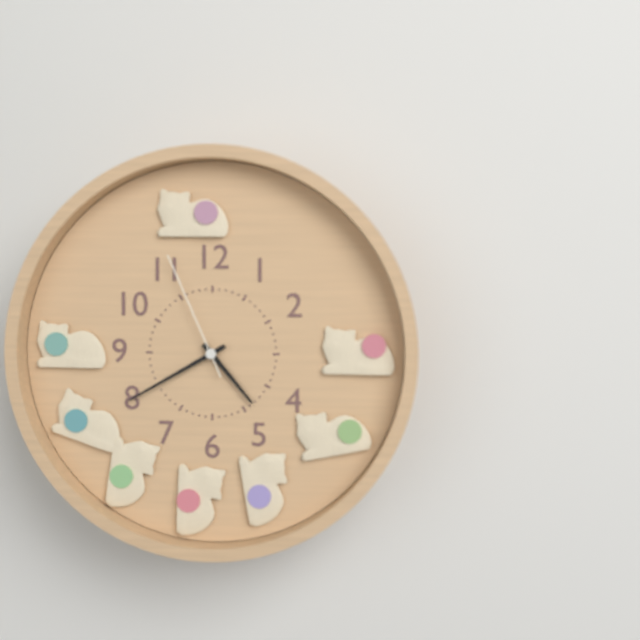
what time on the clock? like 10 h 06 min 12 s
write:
4 h 40 min 56 s
